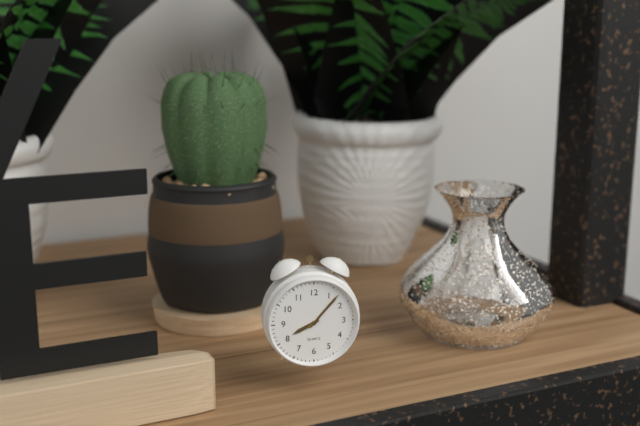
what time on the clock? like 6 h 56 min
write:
8 h 07 min
